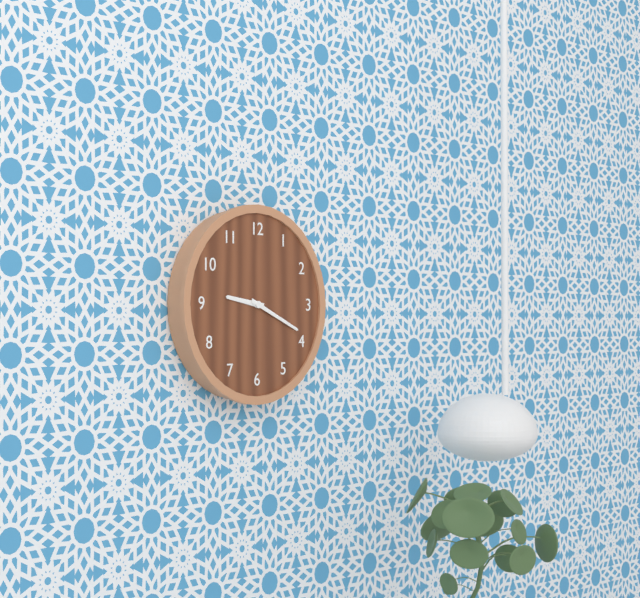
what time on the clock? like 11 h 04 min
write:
9 h 19 min
